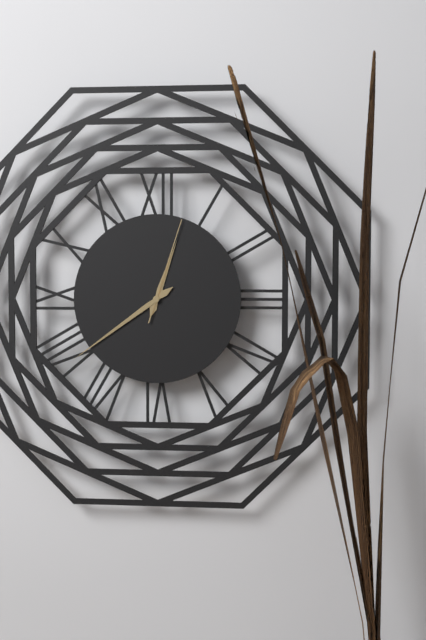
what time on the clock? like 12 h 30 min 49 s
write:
12 h 39 min 03 s
